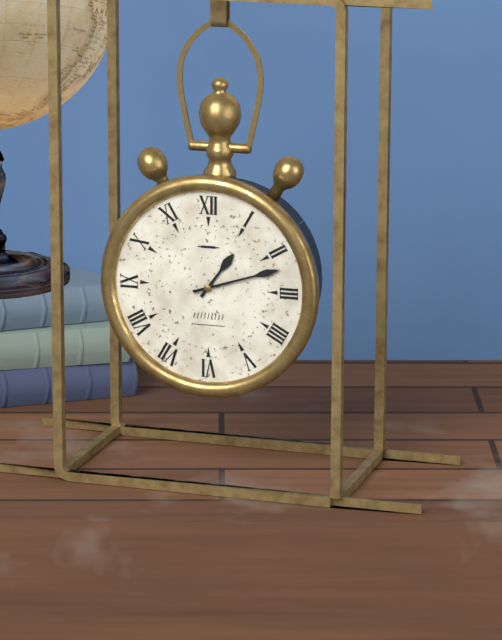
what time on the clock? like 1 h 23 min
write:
1 h 12 min
